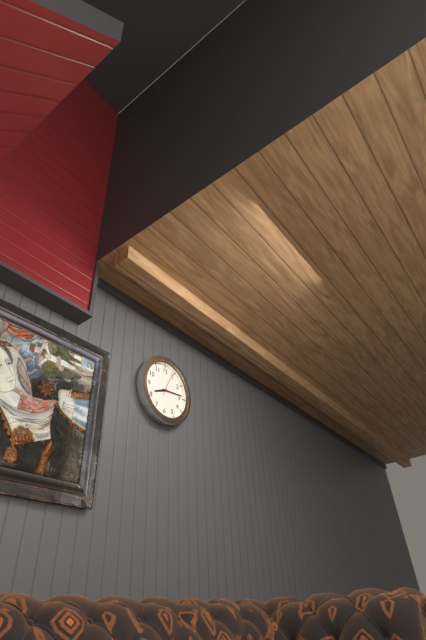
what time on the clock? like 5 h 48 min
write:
8 h 14 min
